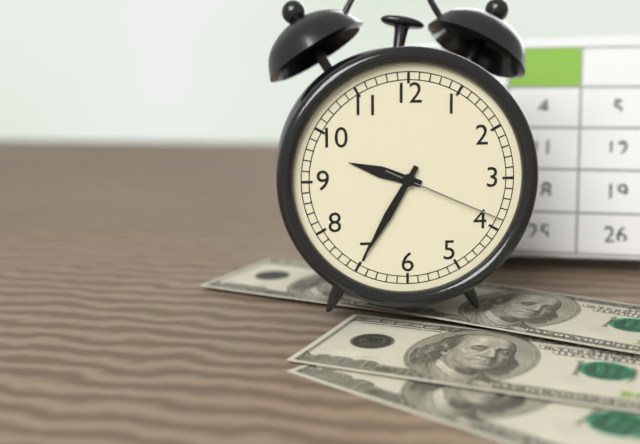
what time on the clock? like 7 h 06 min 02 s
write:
9 h 35 min 19 s
